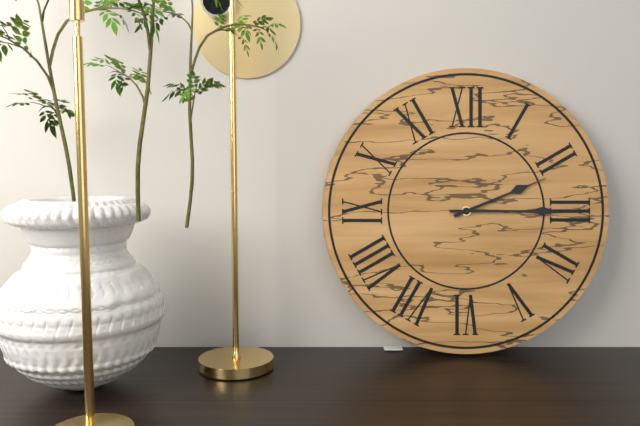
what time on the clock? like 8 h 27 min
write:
2 h 15 min
